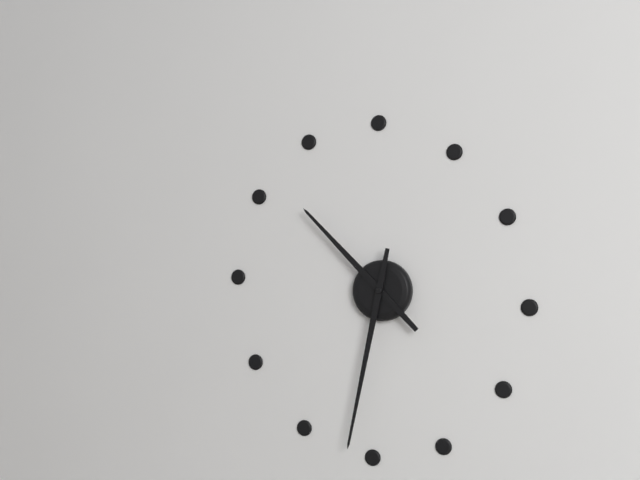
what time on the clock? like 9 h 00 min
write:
10 h 32 min
